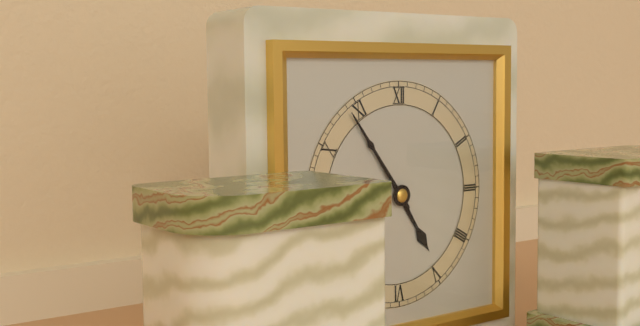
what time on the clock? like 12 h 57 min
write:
4 h 54 min
